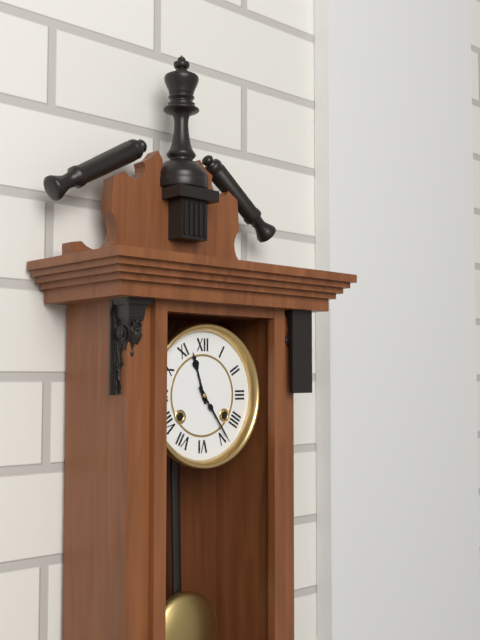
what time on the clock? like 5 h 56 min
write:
11 h 24 min
